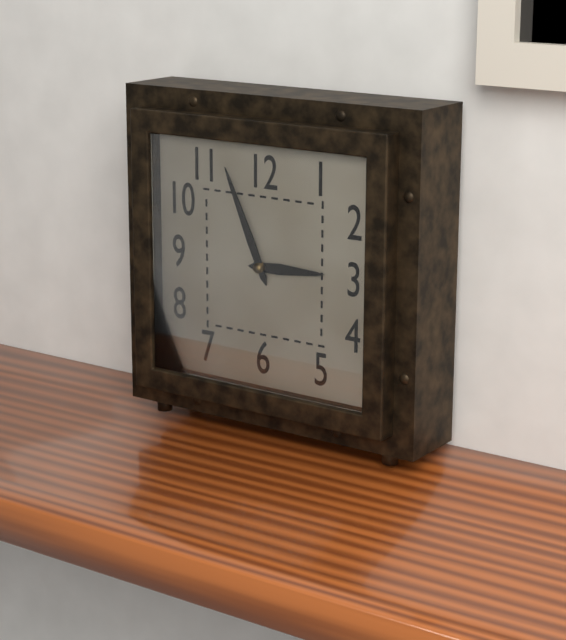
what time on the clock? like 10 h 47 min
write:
2 h 56 min
